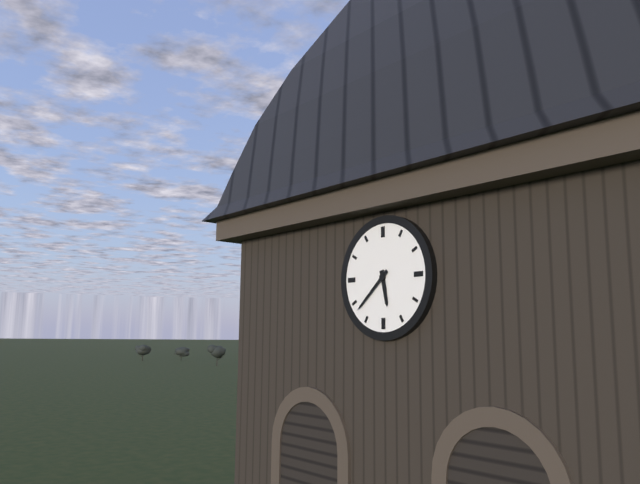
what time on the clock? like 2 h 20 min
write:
5 h 38 min
